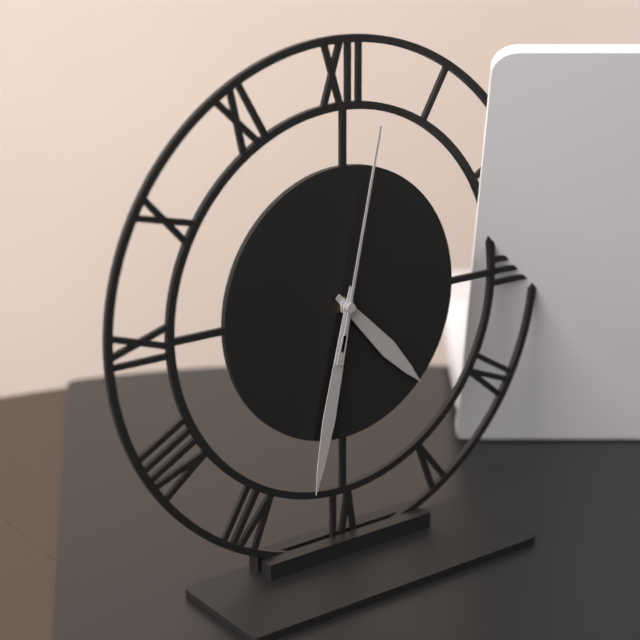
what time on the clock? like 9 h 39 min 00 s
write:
4 h 32 min 02 s
